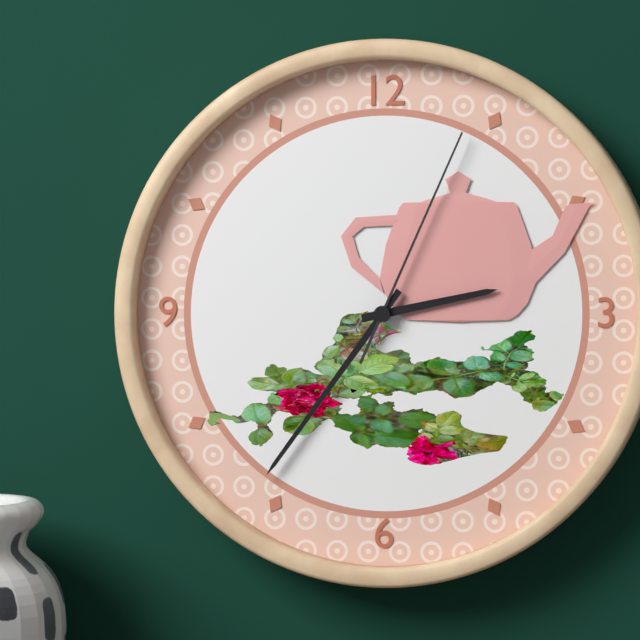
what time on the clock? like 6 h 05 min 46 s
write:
2 h 36 min 04 s
